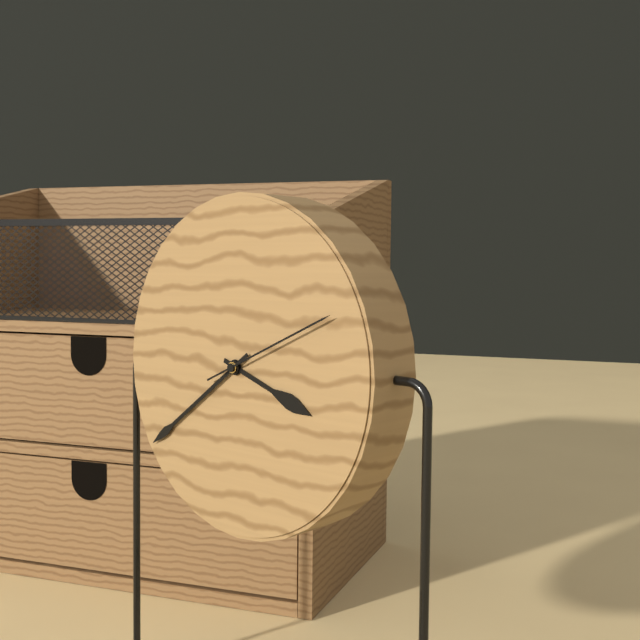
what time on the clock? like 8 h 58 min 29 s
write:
3 h 39 min 11 s
